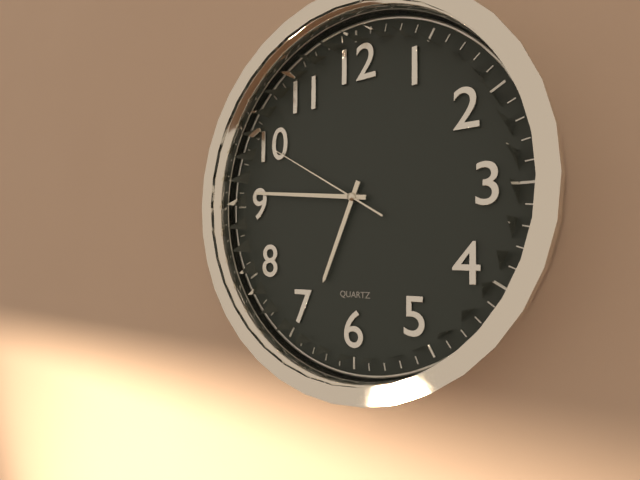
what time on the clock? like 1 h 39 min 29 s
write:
6 h 46 min 50 s
